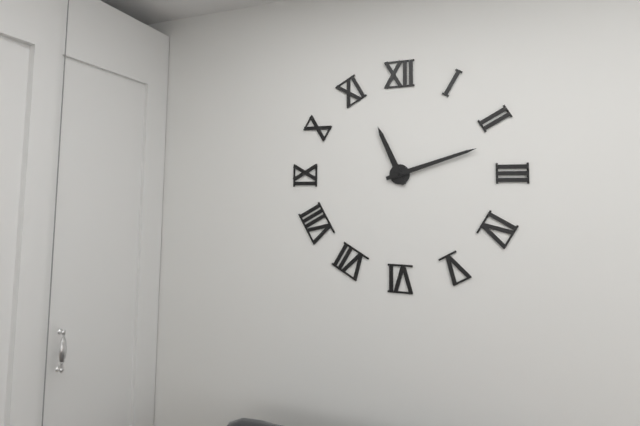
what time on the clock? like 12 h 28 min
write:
11 h 12 min
